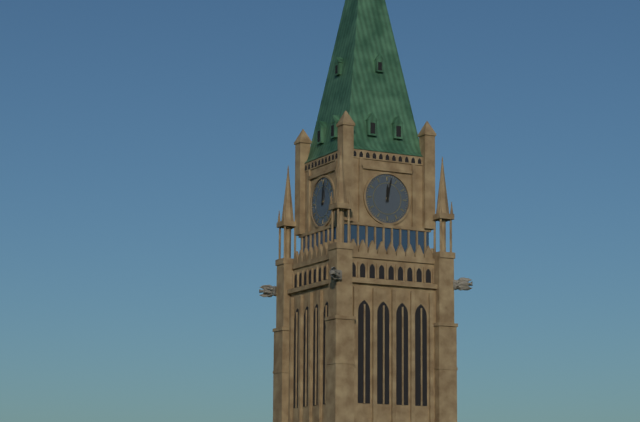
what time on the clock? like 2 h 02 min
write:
12 h 02 min
